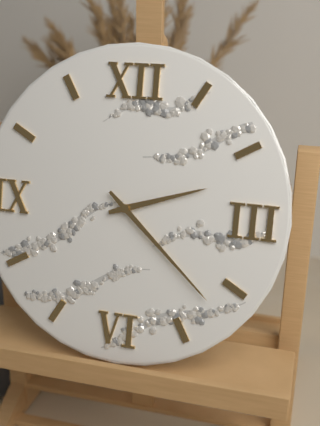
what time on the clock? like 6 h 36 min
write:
2 h 22 min
